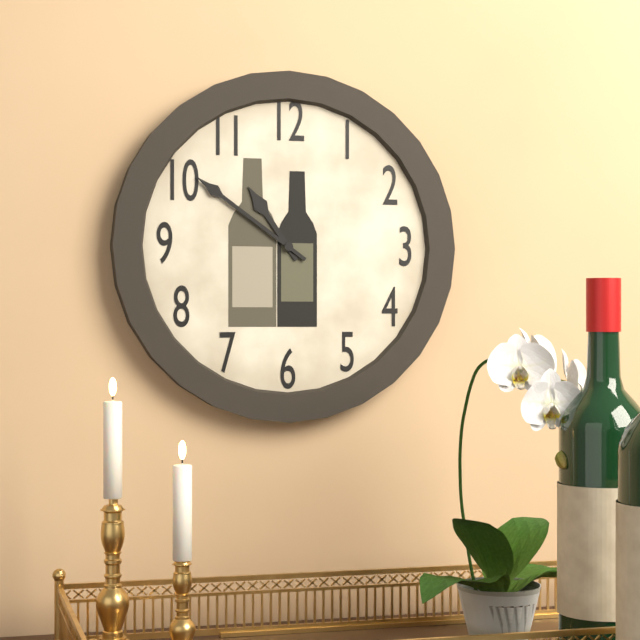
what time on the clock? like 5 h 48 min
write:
10 h 51 min
